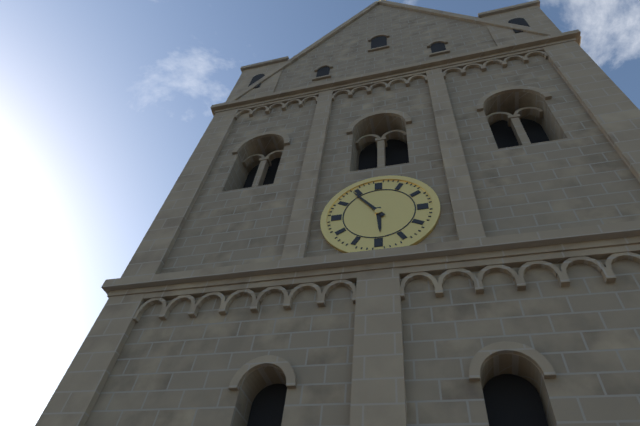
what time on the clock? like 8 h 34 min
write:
5 h 54 min
